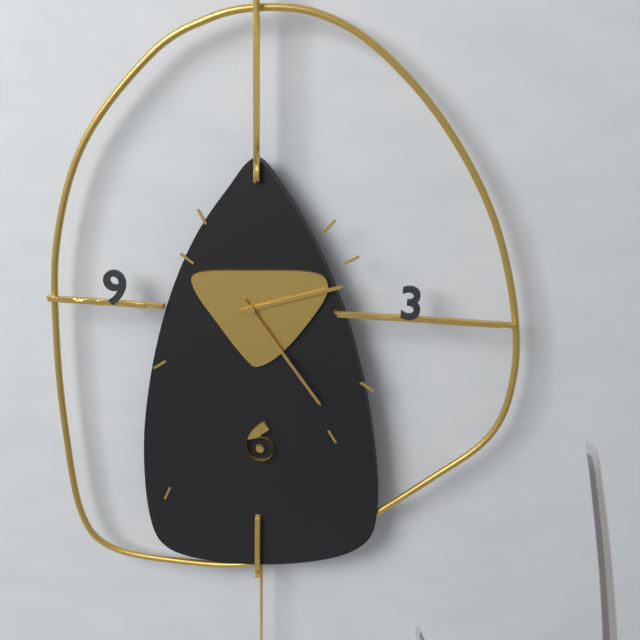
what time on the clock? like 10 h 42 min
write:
2 h 24 min
